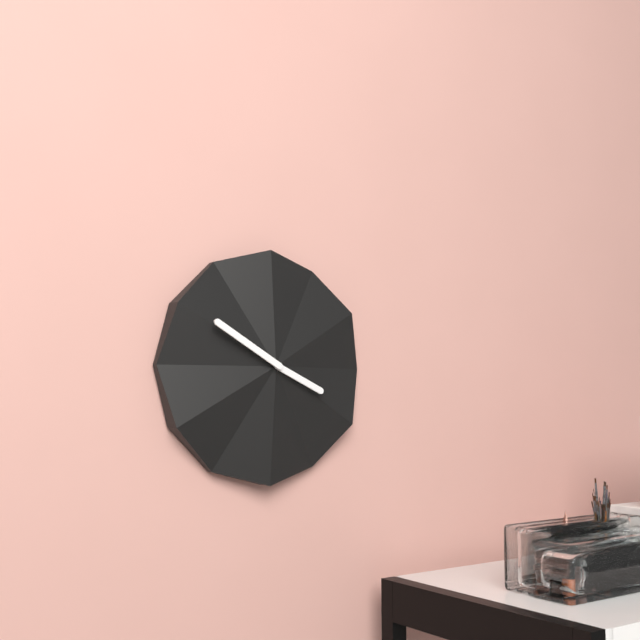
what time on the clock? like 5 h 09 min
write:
3 h 50 min
